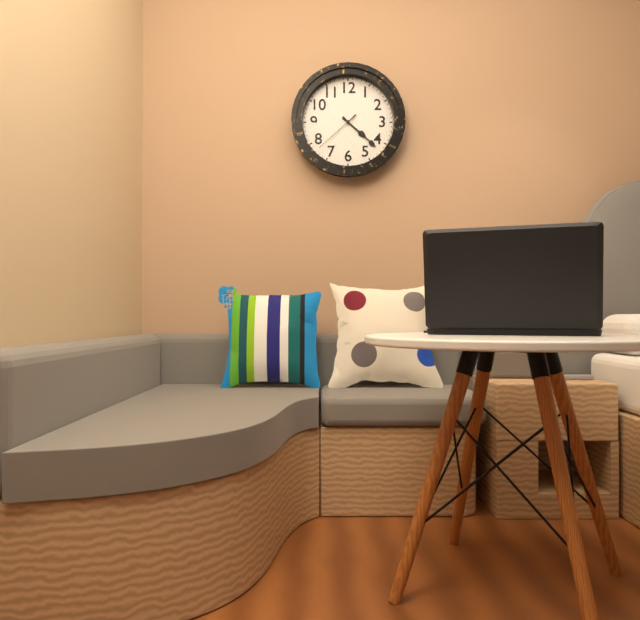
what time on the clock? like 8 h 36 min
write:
4 h 22 min
